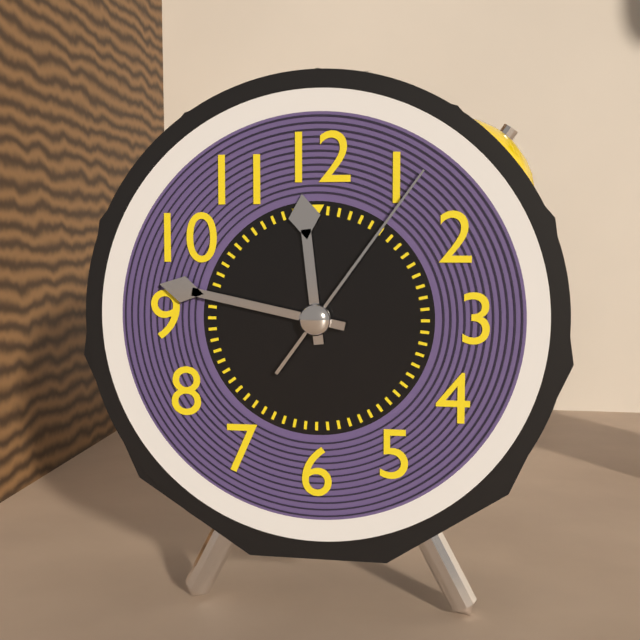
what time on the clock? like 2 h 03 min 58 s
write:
11 h 47 min 06 s
